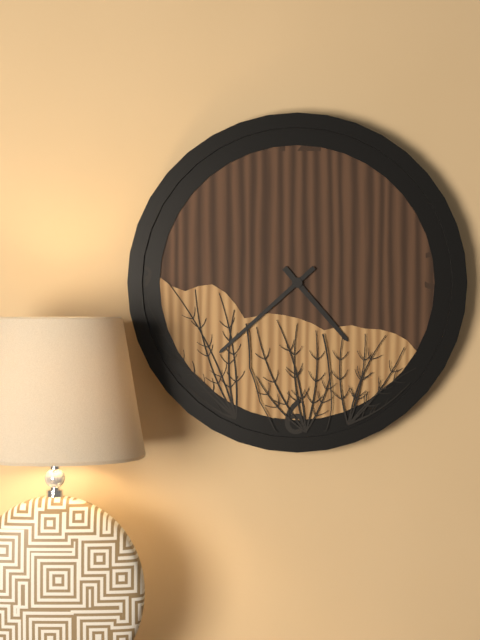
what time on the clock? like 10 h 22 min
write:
4 h 38 min
